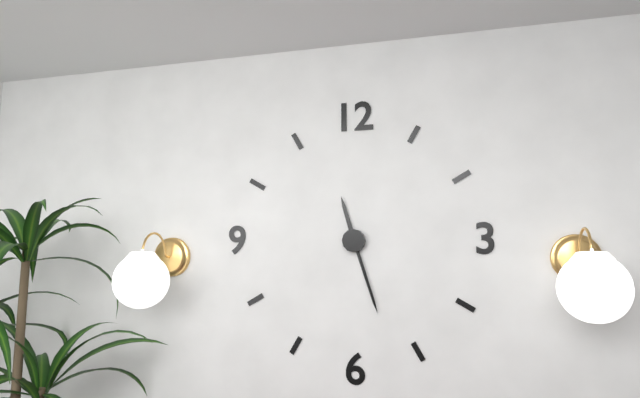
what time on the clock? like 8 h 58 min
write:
11 h 27 min
